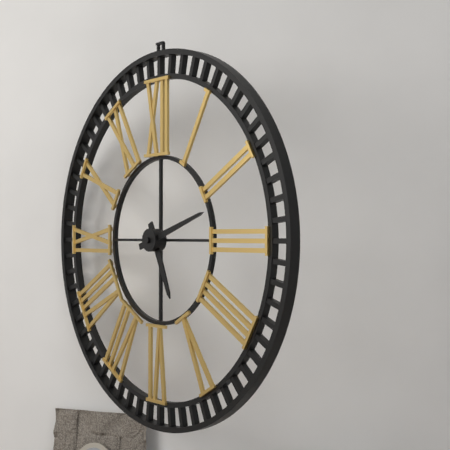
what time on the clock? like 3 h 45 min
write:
5 h 12 min
